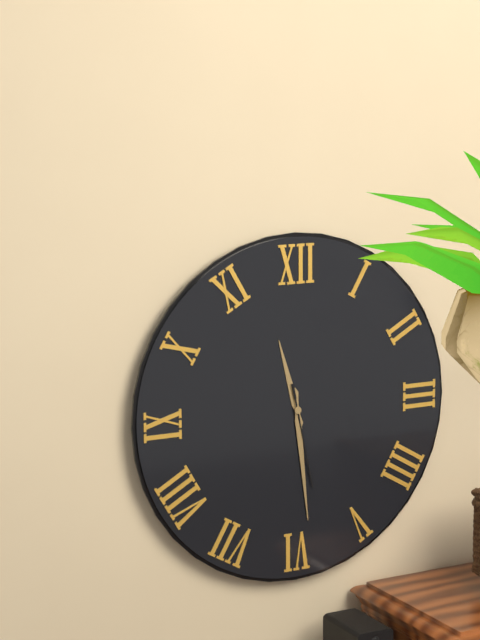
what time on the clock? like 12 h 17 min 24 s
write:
11 h 29 min 28 s
